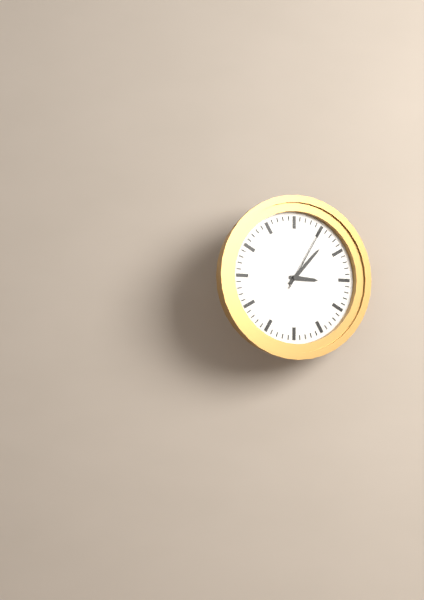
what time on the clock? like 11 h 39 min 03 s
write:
3 h 07 min 05 s
